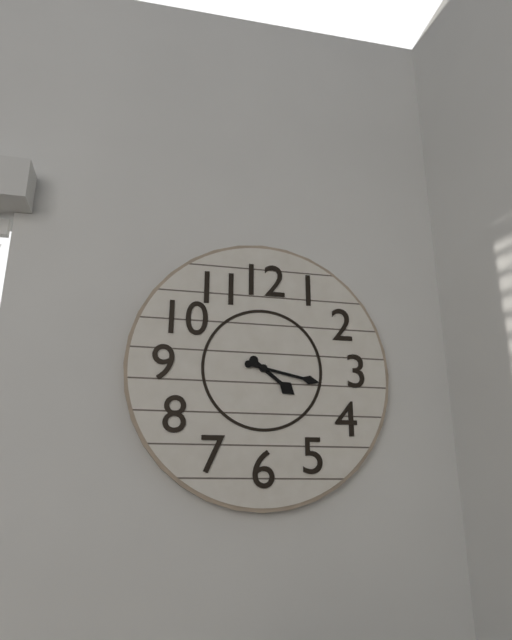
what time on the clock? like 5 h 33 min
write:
4 h 17 min
